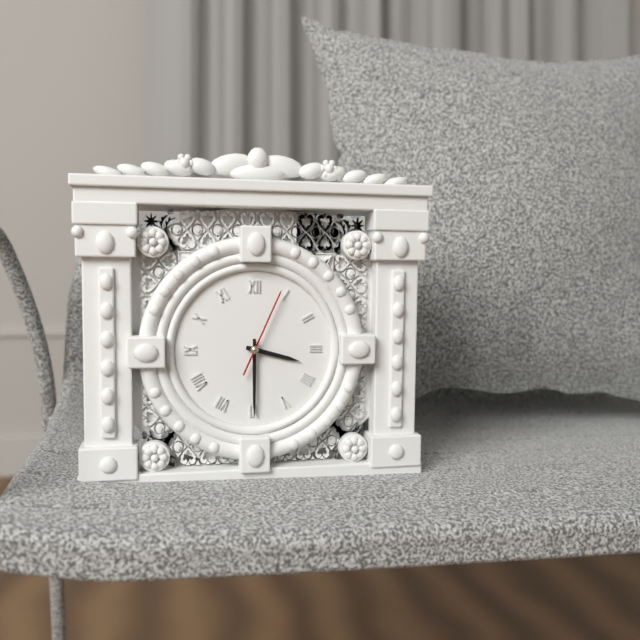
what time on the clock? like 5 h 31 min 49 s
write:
3 h 30 min 04 s
